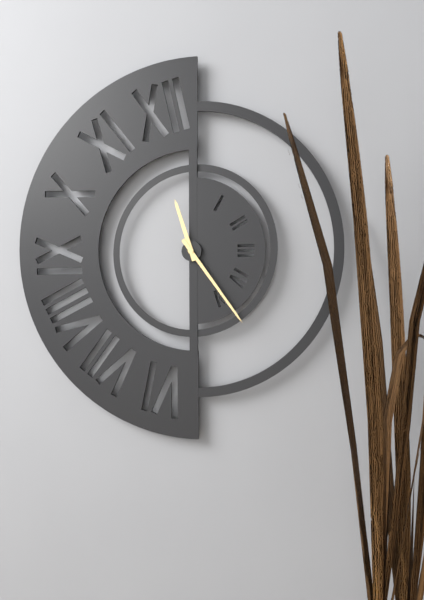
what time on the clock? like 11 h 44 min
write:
11 h 24 min
